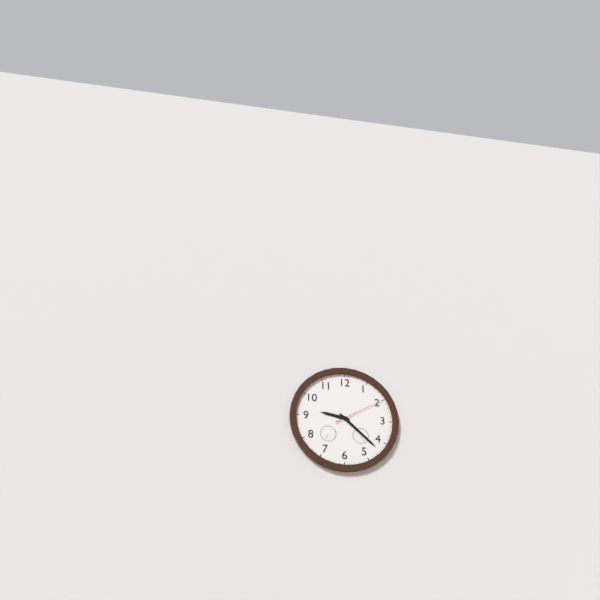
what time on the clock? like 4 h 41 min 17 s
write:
9 h 22 min 10 s
